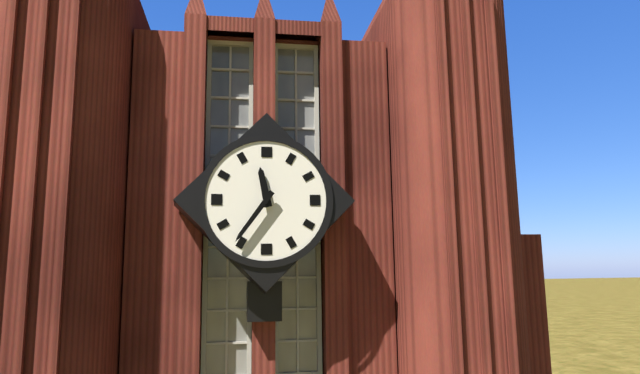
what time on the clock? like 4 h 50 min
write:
11 h 36 min
